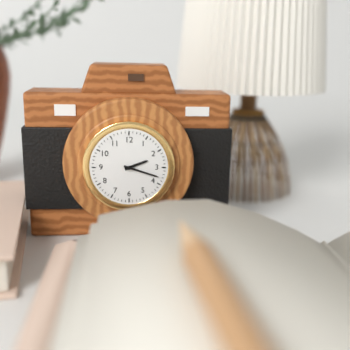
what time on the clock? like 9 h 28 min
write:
2 h 18 min
